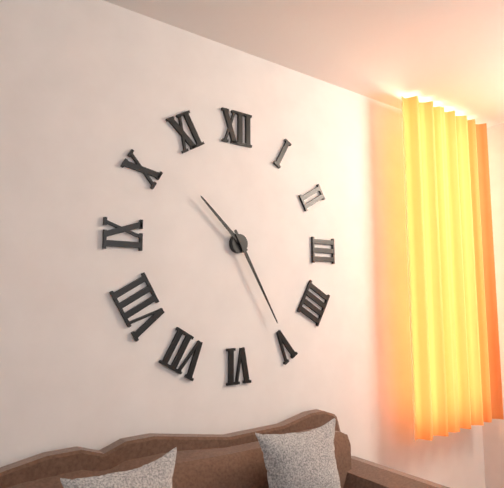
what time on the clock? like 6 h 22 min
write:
10 h 25 min
